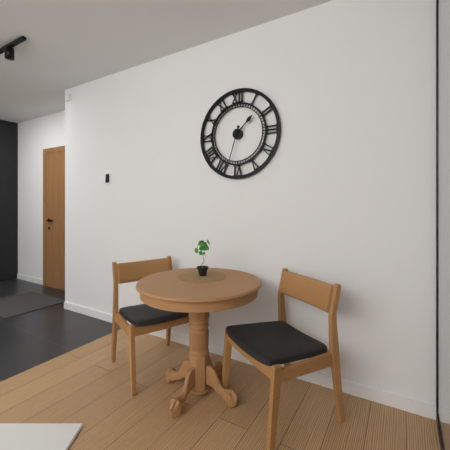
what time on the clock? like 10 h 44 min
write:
1 h 33 min
